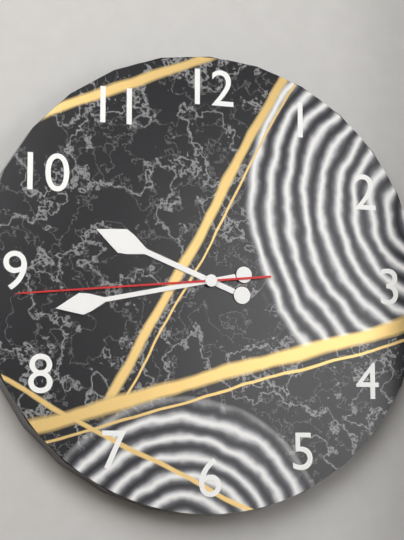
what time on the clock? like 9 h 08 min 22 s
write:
9 h 43 min 44 s
